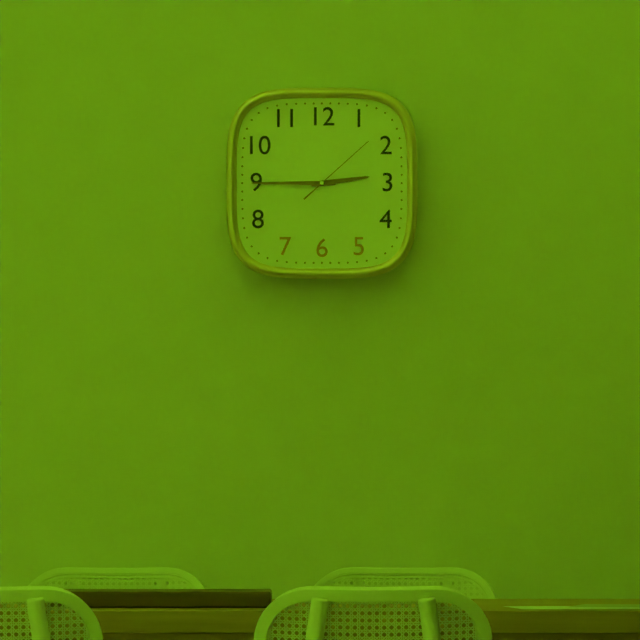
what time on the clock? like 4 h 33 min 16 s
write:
2 h 45 min 08 s
